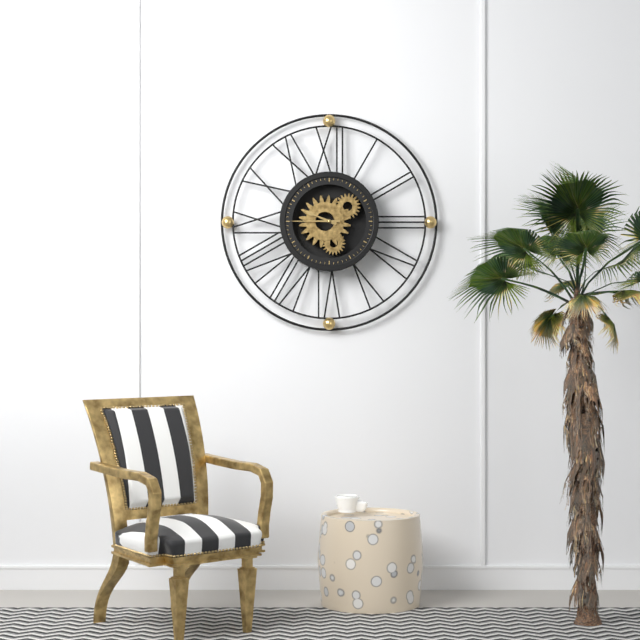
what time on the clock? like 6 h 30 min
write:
9 h 45 min
